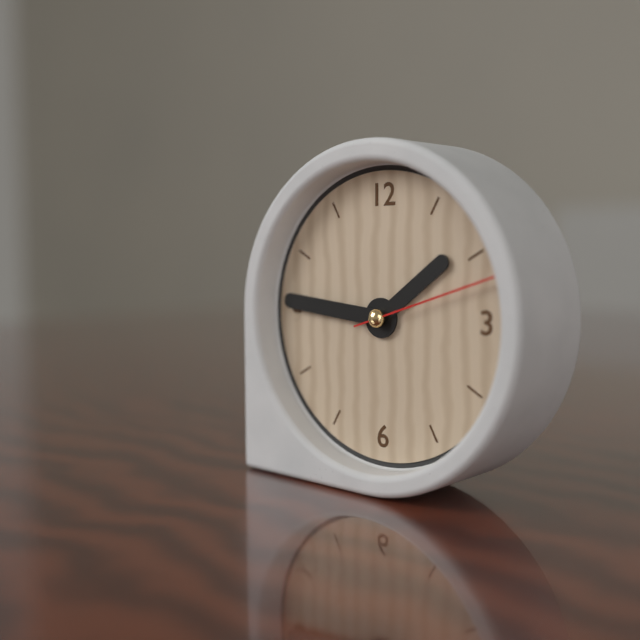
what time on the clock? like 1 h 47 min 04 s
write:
1 h 46 min 12 s
